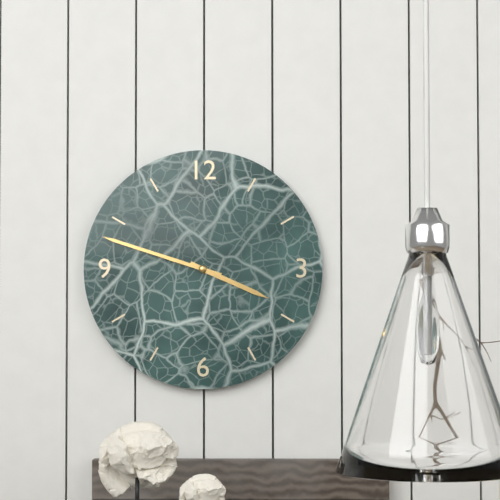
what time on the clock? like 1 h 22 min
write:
3 h 48 min
